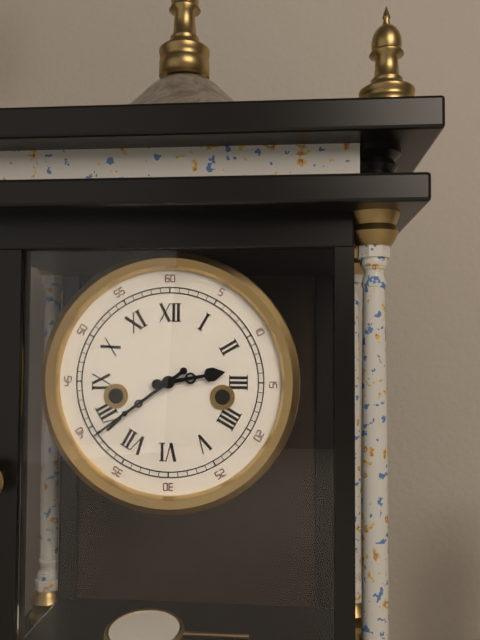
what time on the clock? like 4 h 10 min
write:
2 h 39 min
